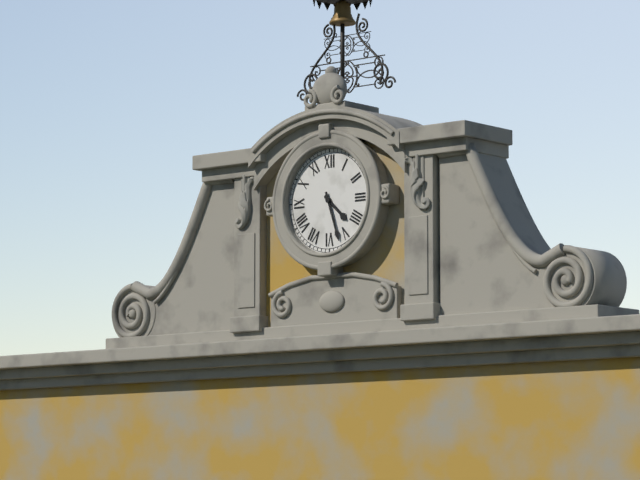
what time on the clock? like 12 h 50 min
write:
4 h 27 min
